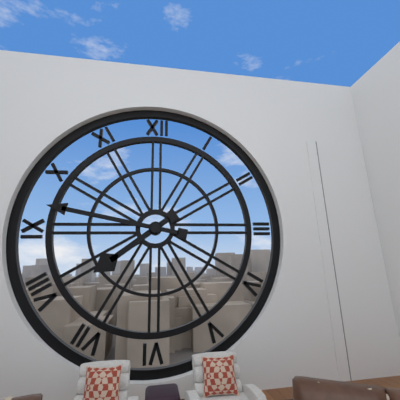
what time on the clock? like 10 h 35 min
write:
7 h 47 min
